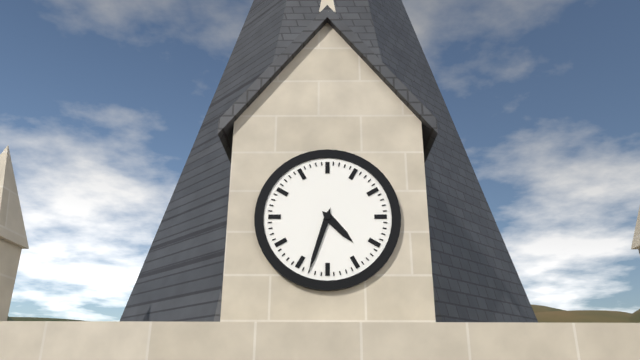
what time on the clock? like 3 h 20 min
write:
4 h 33 min
